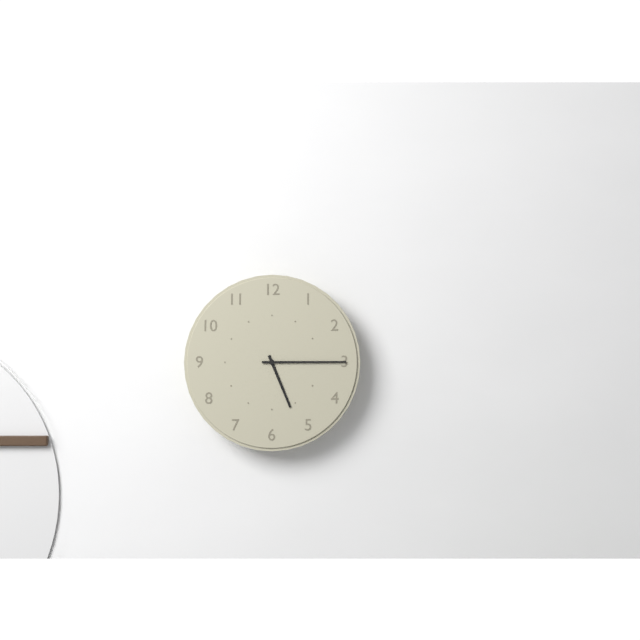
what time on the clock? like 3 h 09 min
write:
5 h 15 min
